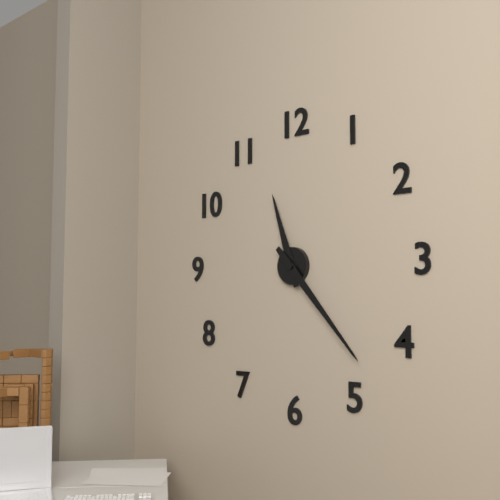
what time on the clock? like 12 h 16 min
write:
11 h 23 min
